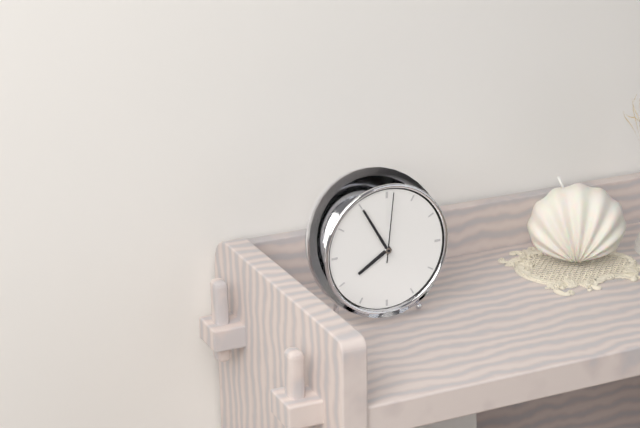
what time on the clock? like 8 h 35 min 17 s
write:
7 h 55 min 01 s
